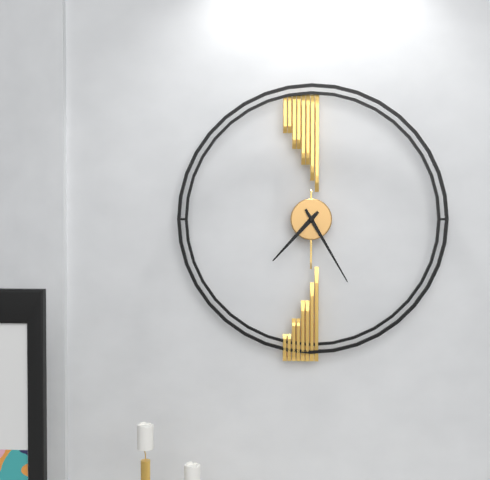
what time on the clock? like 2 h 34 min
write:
7 h 25 min
